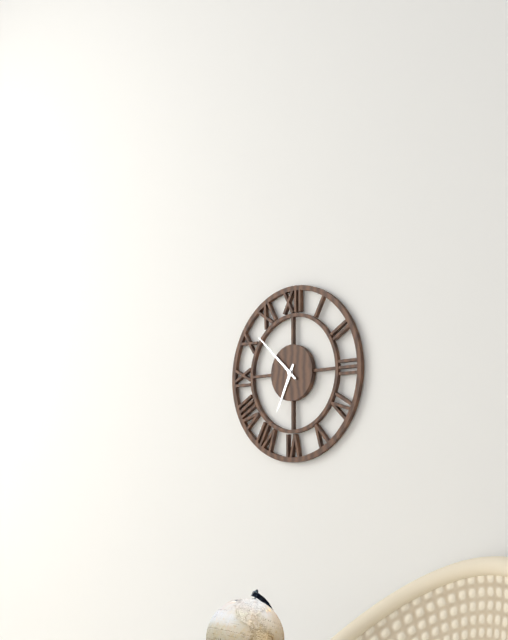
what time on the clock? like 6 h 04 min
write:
6 h 52 min
